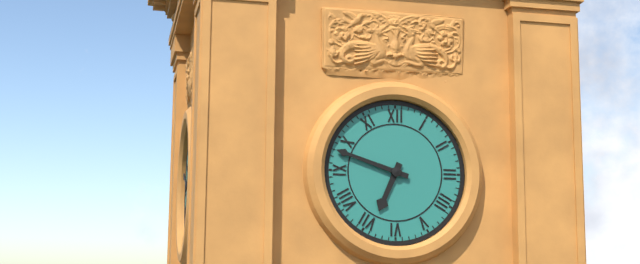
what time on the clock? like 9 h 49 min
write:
6 h 48 min
